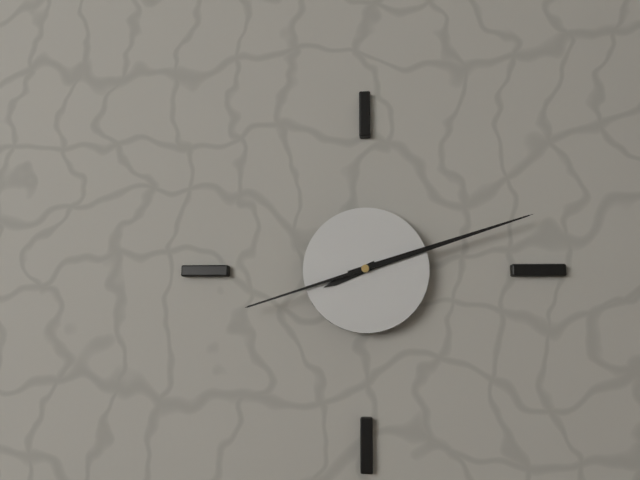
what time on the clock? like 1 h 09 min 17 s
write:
8 h 12 min 42 s
